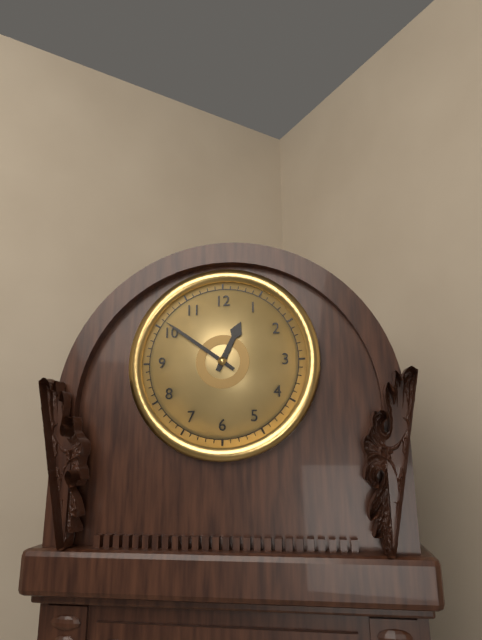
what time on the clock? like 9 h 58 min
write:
12 h 51 min
